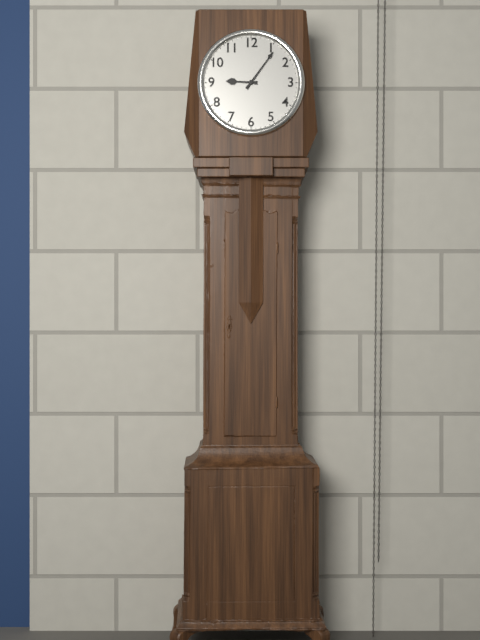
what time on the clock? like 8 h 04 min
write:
9 h 06 min
